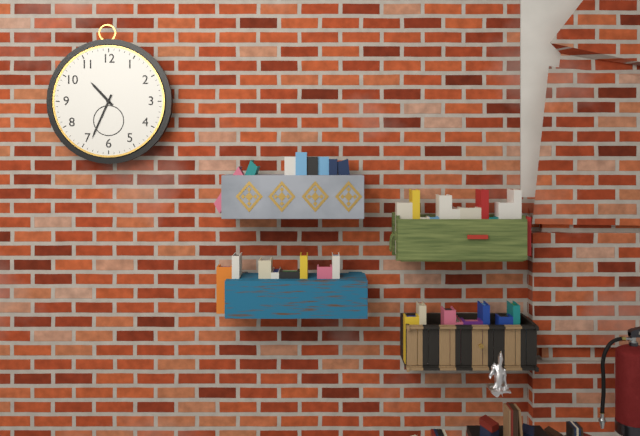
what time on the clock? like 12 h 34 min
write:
10 h 34 min
